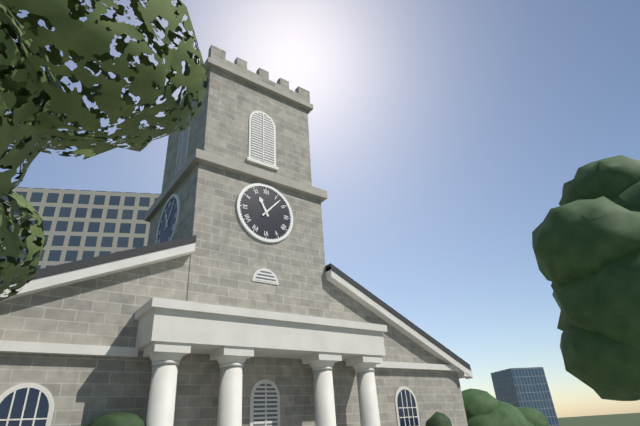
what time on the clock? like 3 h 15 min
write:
11 h 07 min
